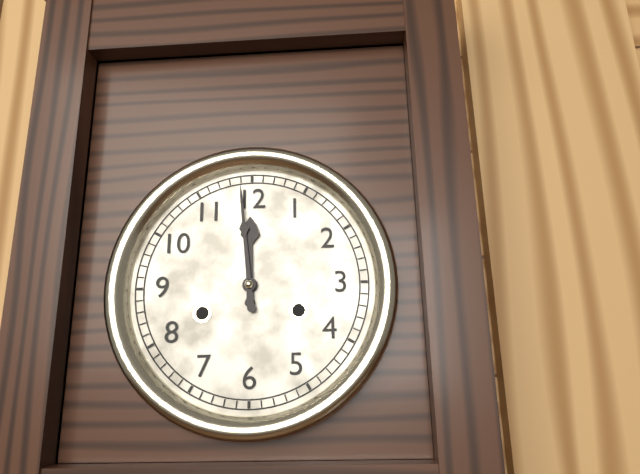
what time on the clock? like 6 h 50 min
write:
11 h 59 min
